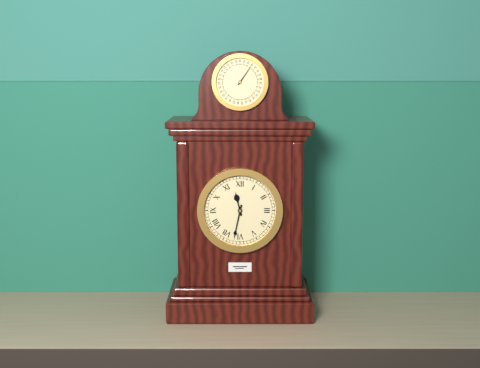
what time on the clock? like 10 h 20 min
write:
11 h 32 min
